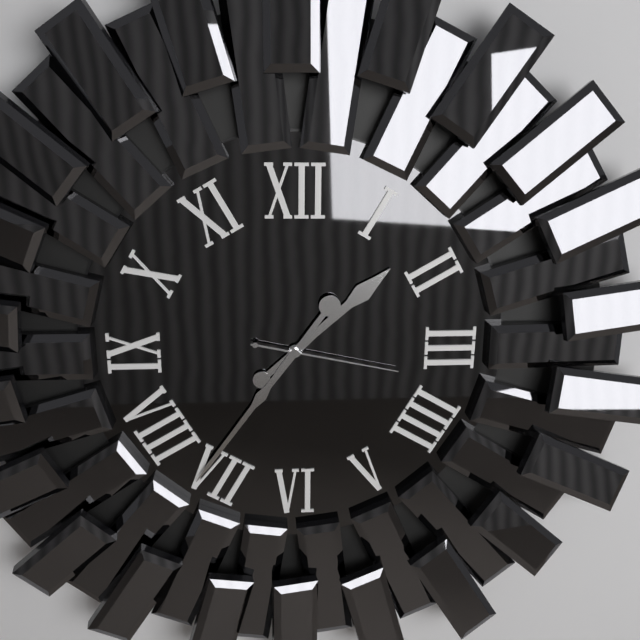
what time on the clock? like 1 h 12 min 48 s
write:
1 h 36 min 17 s
